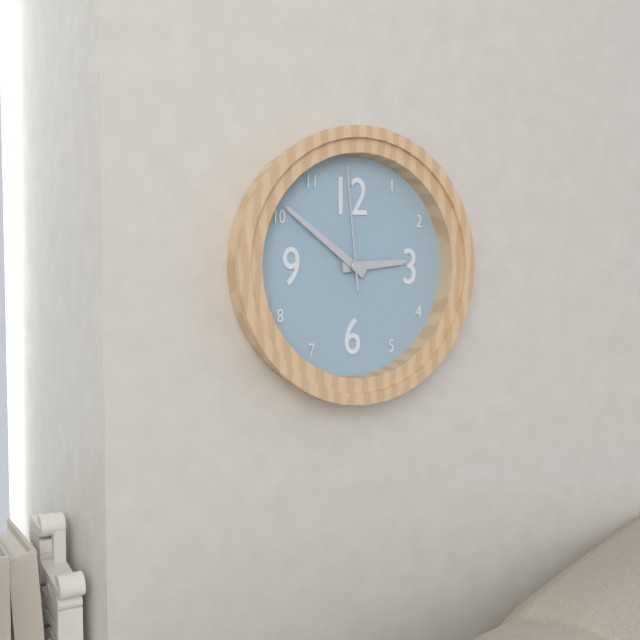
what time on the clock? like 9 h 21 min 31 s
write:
2 h 51 min 59 s
